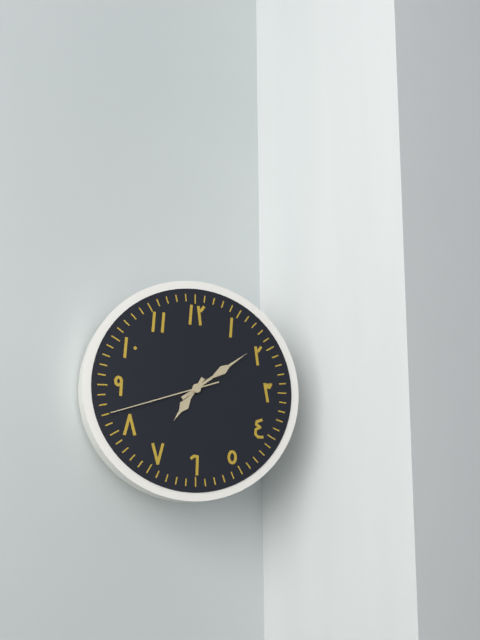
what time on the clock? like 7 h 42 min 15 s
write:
7 h 09 min 42 s
